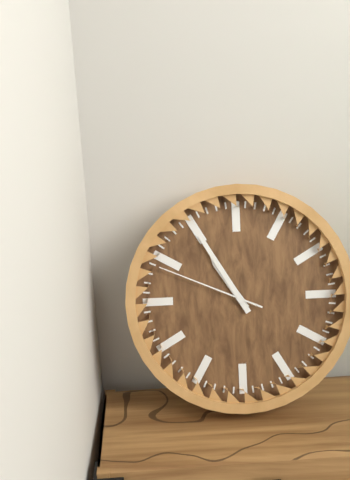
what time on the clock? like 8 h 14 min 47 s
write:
10 h 55 min 49 s
